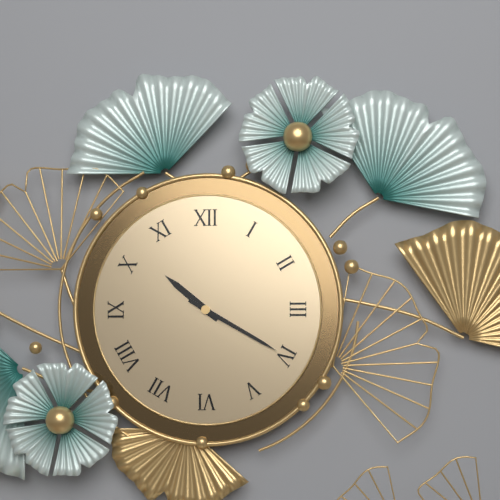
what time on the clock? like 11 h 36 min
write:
10 h 20 min
